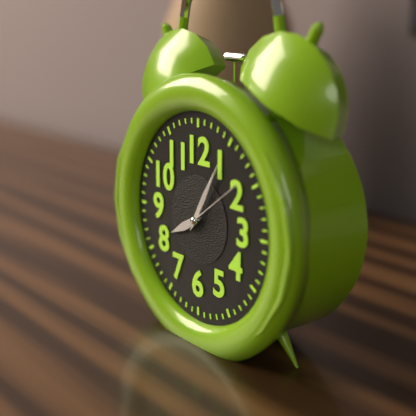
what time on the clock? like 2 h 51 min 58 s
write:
8 h 05 min 09 s
